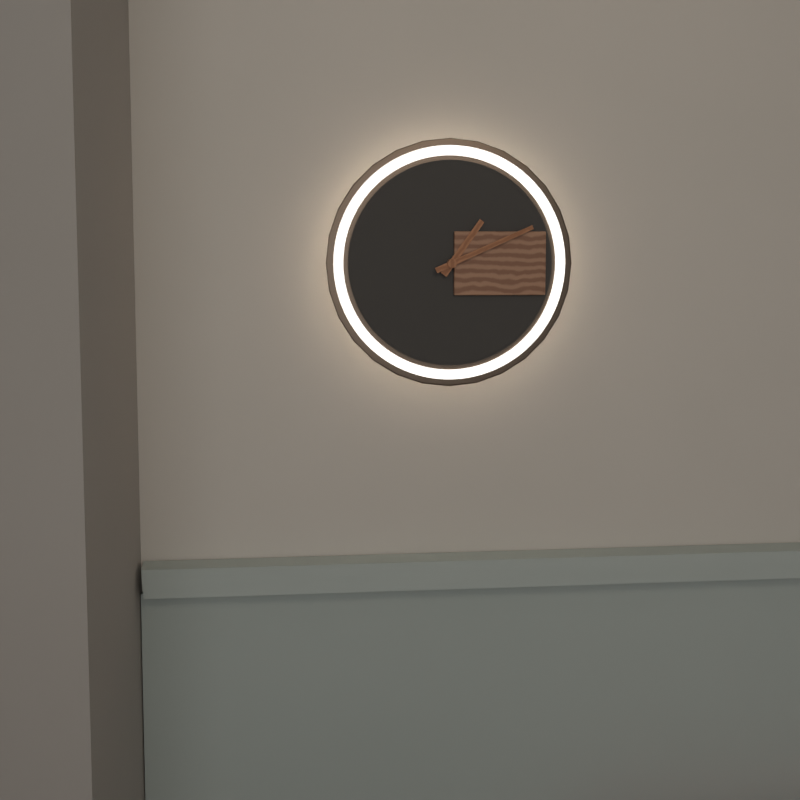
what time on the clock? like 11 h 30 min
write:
1 h 11 min
